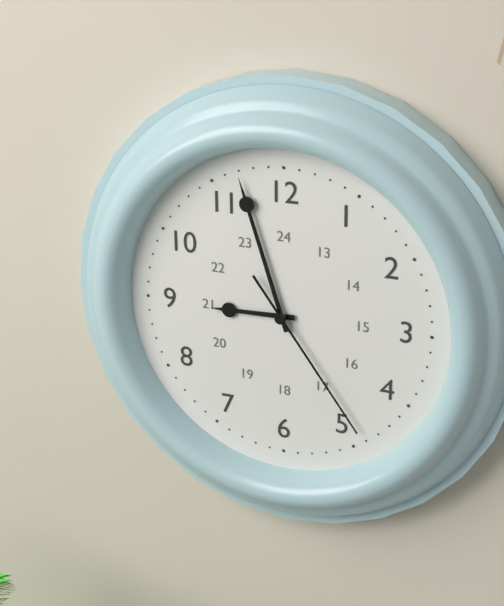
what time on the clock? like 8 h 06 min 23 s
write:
8 h 57 min 24 s
